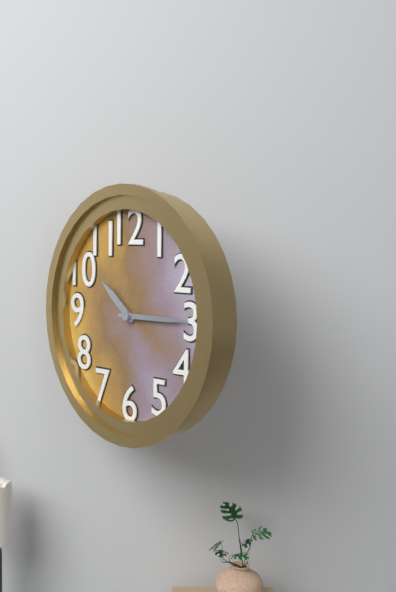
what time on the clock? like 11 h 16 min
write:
10 h 15 min
